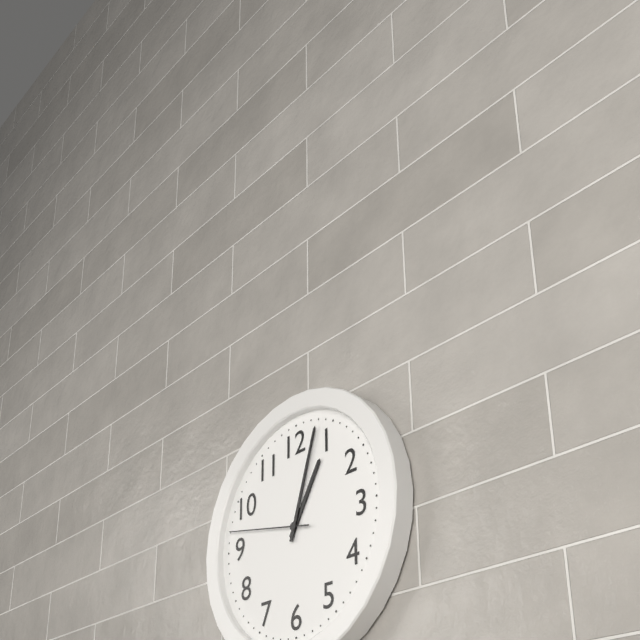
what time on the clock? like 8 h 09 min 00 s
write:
1 h 03 min 47 s
